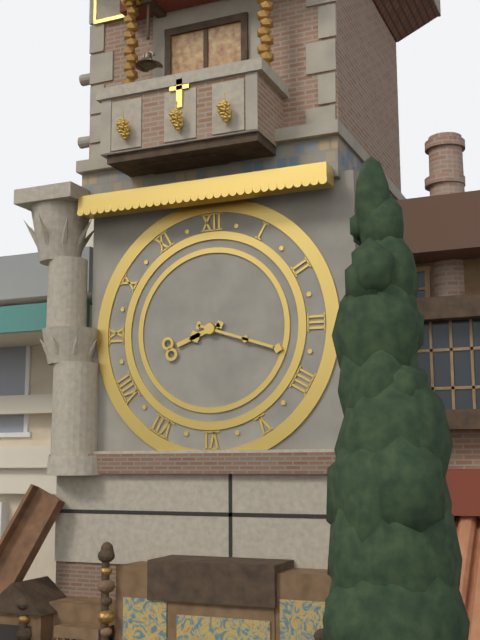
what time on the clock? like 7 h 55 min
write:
8 h 18 min
